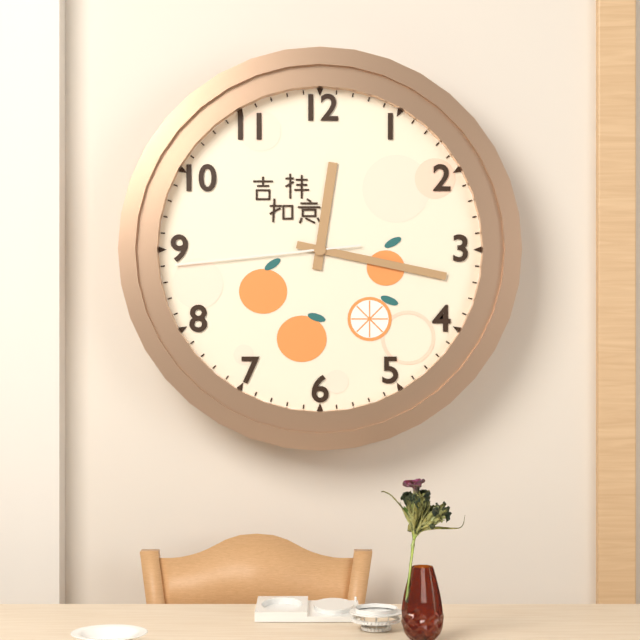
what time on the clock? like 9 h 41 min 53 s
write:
12 h 17 min 44 s
